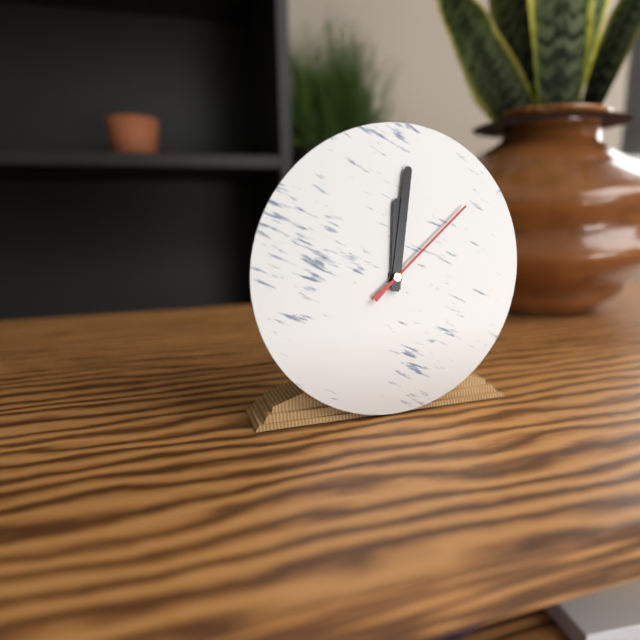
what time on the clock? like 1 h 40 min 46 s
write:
12 h 01 min 08 s
